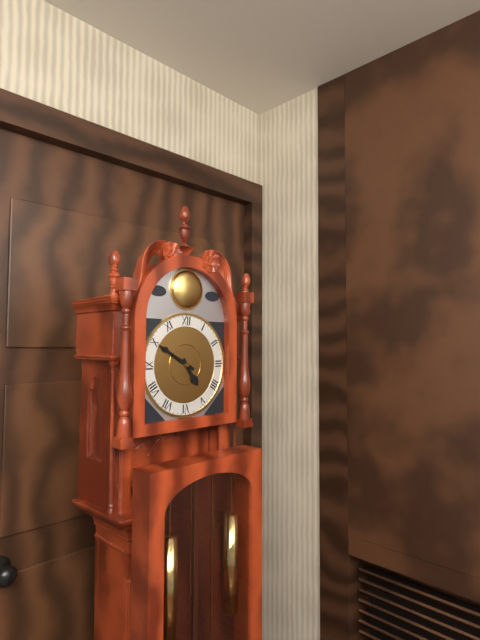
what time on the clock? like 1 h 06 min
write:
4 h 50 min
